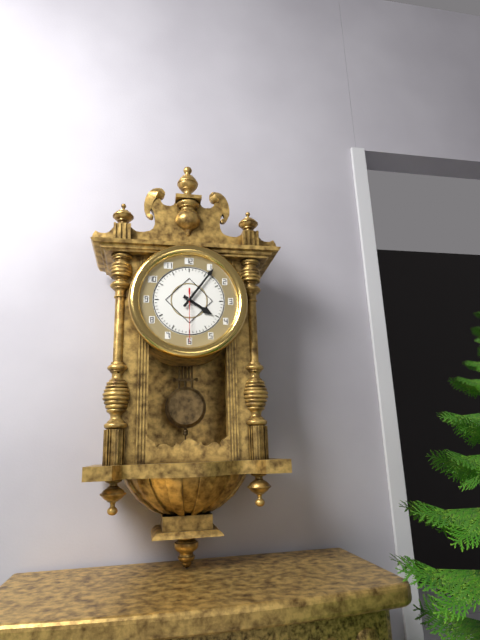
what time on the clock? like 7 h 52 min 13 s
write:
4 h 06 min 30 s
